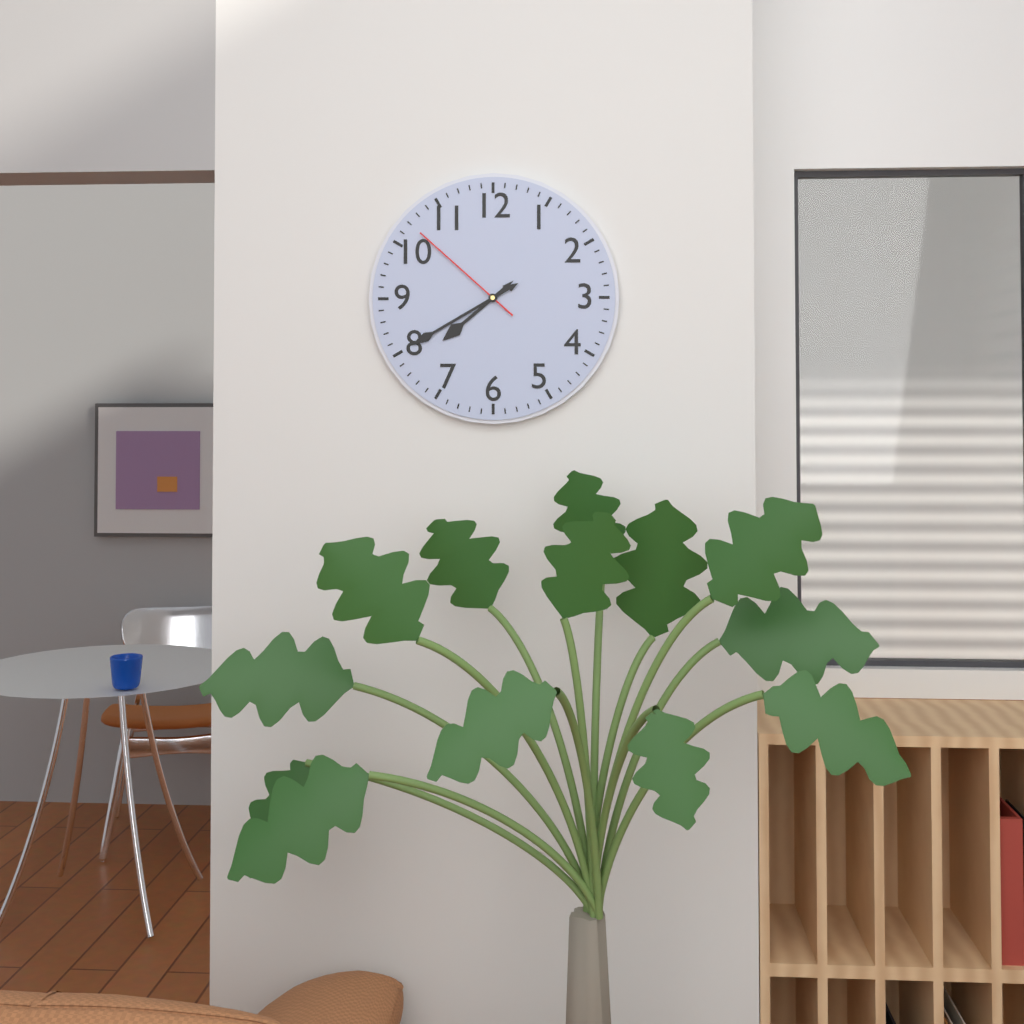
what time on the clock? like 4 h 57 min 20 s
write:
7 h 40 min 52 s
